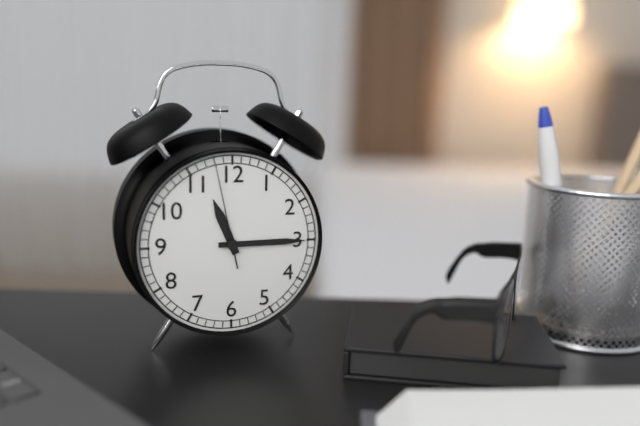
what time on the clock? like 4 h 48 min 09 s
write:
11 h 15 min 58 s
